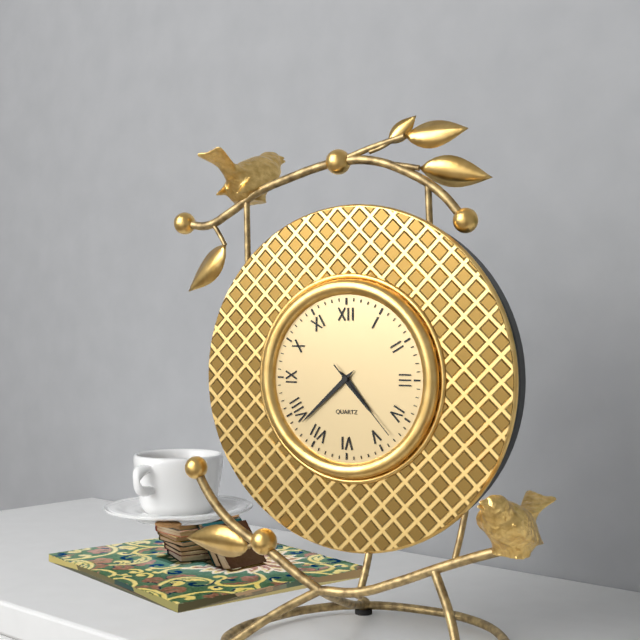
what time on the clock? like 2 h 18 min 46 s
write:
4 h 38 min 23 s
